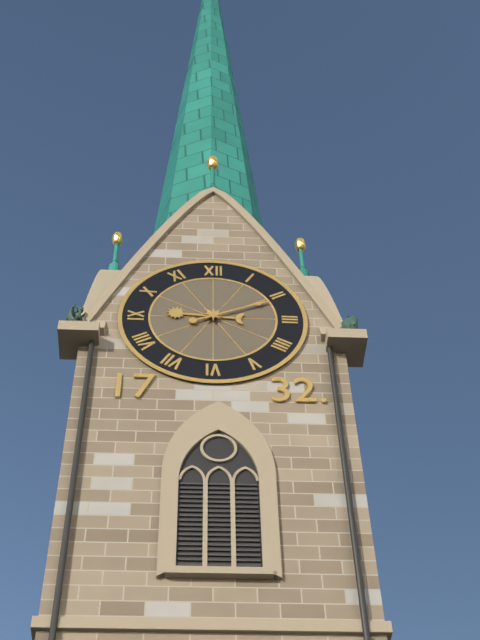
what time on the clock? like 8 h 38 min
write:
9 h 11 min
